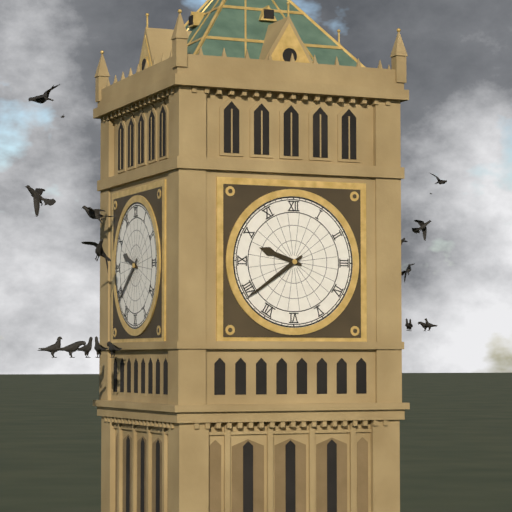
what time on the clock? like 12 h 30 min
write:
9 h 39 min
